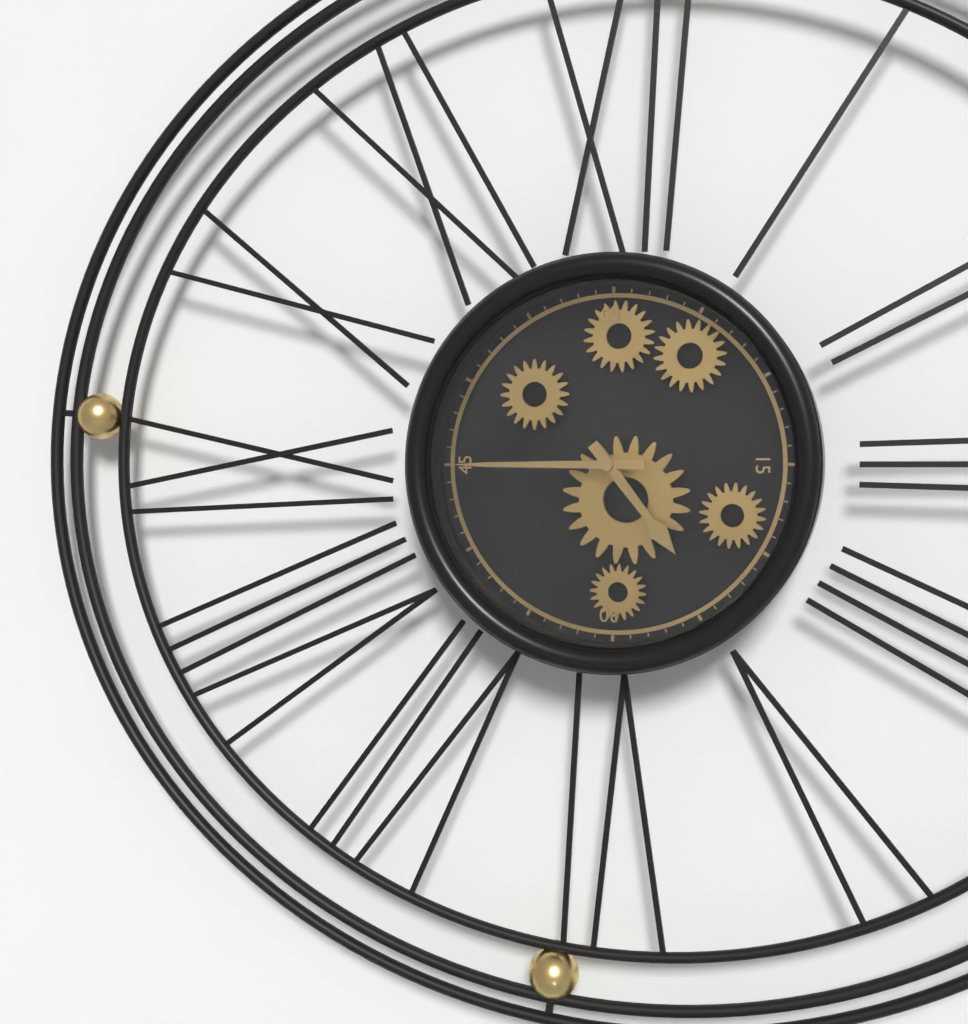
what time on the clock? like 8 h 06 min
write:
4 h 45 min
